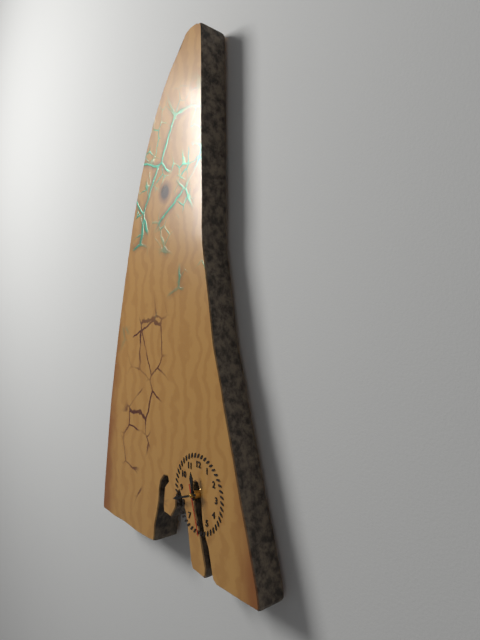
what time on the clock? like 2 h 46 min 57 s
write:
11 h 42 min 27 s
